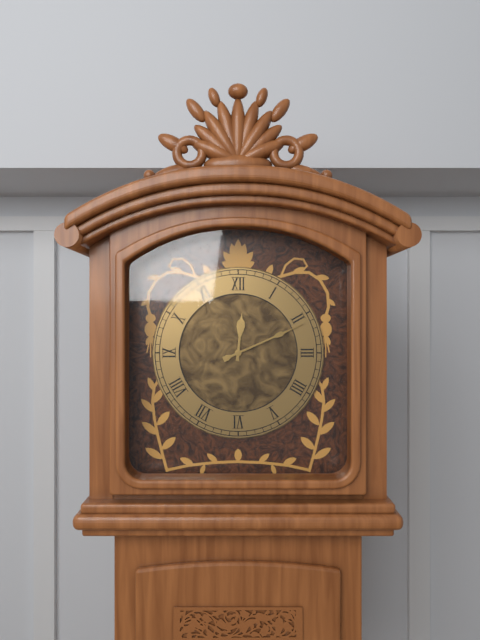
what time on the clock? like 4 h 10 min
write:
12 h 11 min
